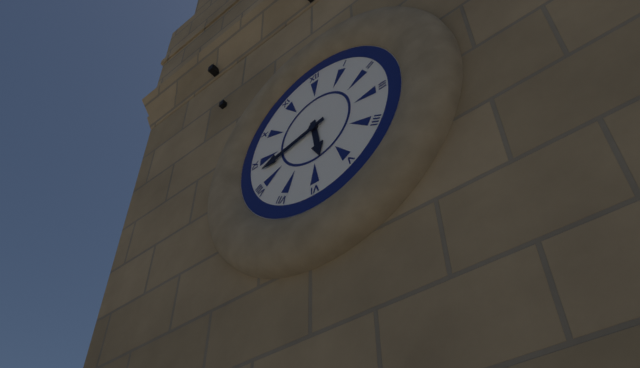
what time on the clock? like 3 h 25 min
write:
5 h 43 min
